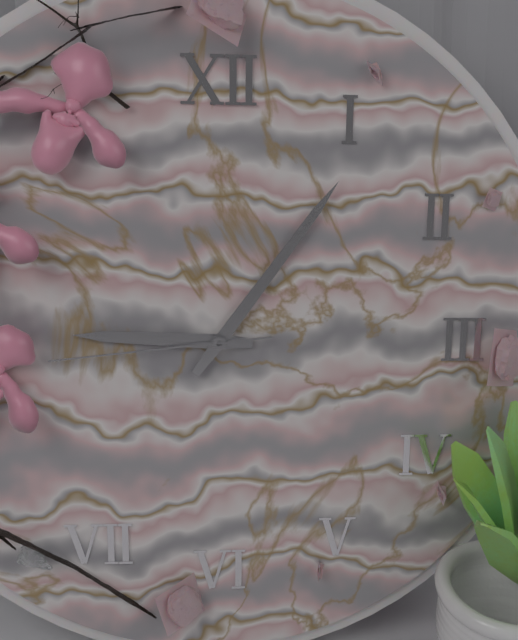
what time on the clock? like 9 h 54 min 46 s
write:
9 h 06 min 44 s
